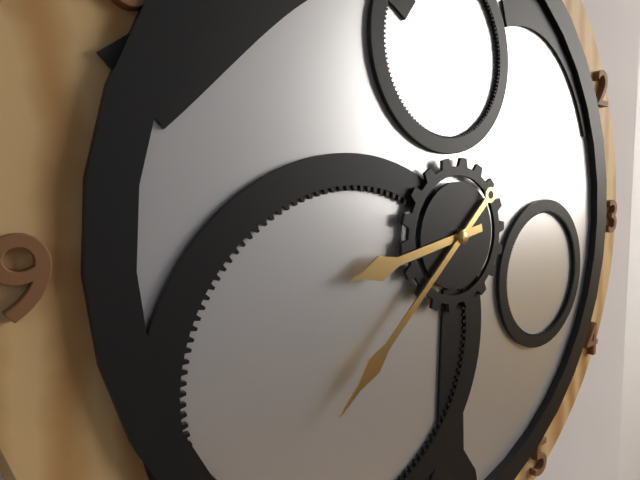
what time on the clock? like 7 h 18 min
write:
8 h 38 min
